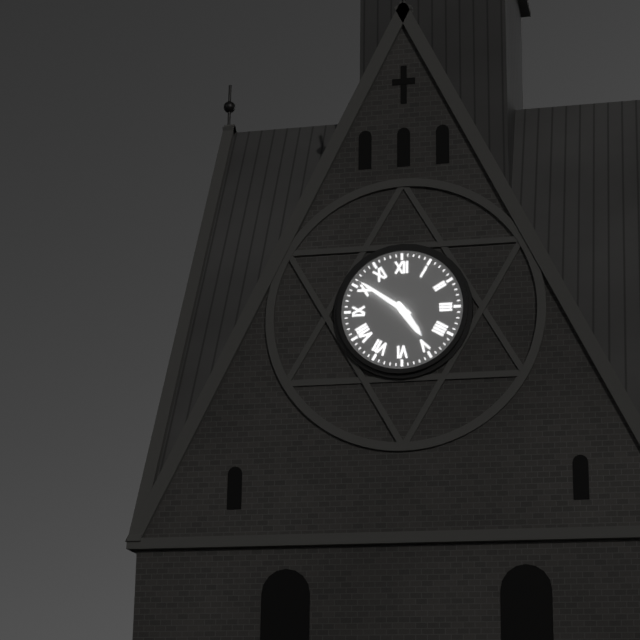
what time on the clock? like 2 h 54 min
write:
4 h 51 min
